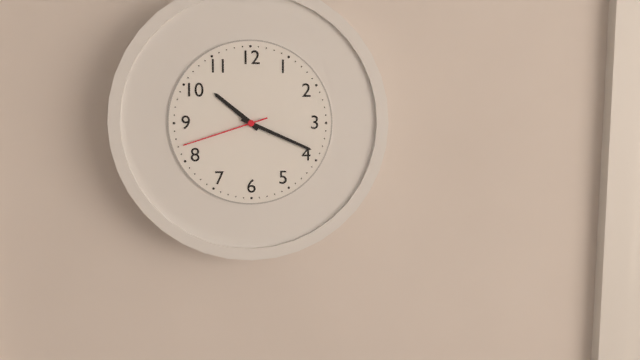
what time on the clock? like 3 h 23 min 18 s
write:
10 h 19 min 42 s
